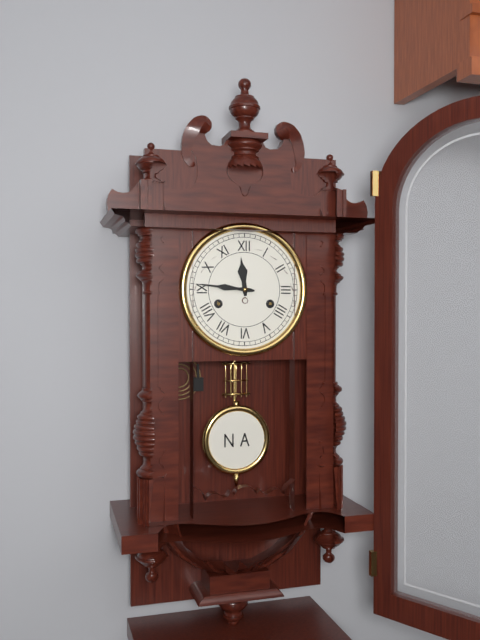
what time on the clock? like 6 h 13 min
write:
11 h 46 min
